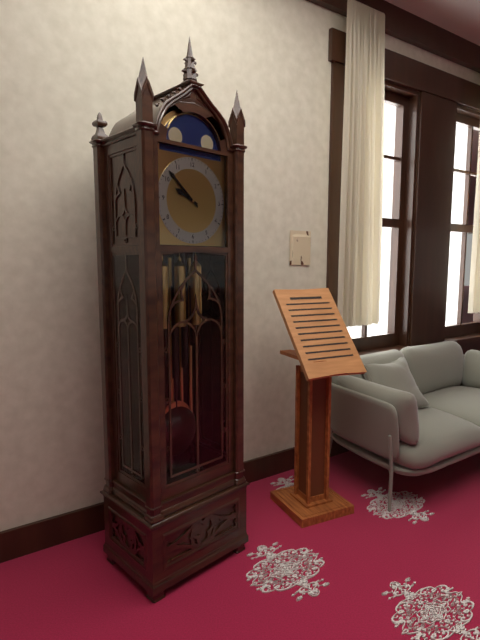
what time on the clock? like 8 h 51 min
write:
9 h 52 min
